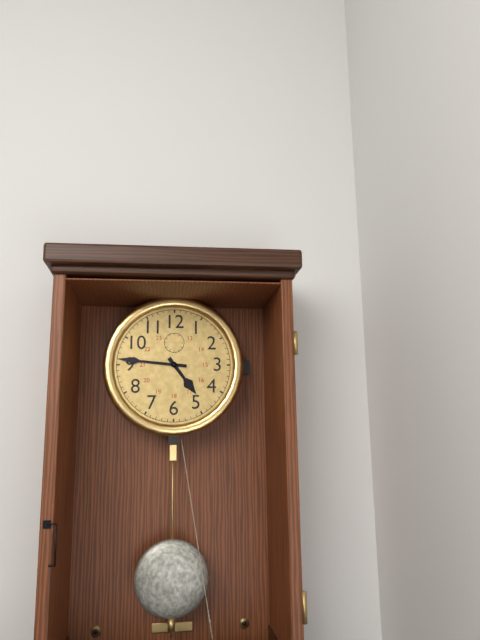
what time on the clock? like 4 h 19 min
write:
4 h 46 min
